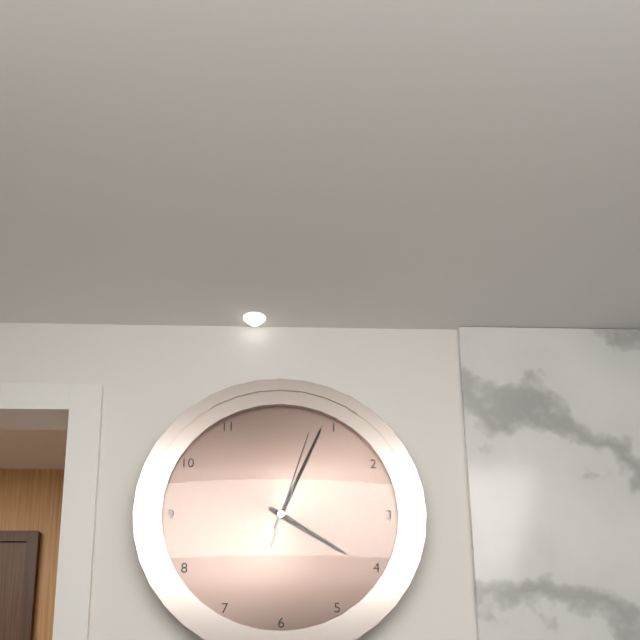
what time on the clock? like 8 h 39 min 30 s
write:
4 h 04 min 03 s
